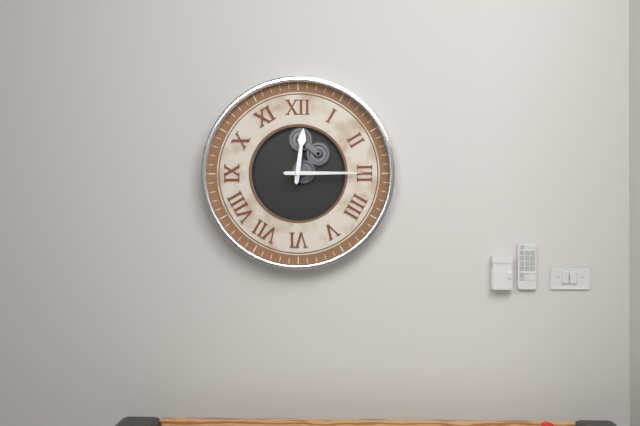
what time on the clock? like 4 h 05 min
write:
12 h 15 min
